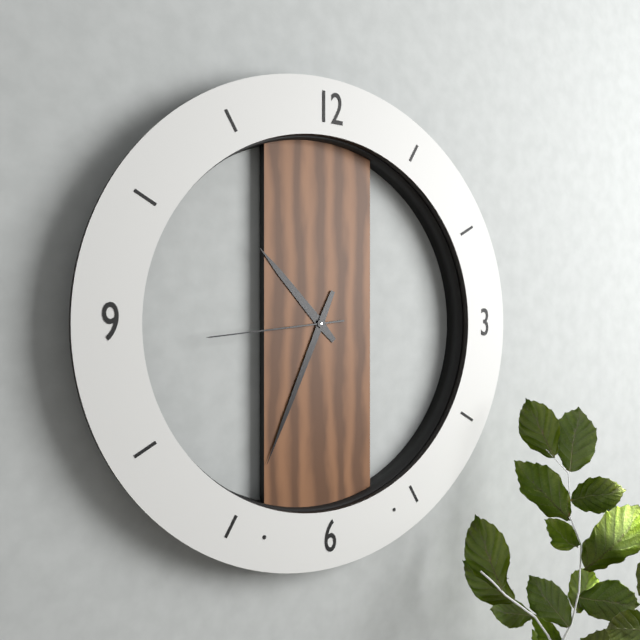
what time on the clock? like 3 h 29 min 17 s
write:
10 h 34 min 44 s
